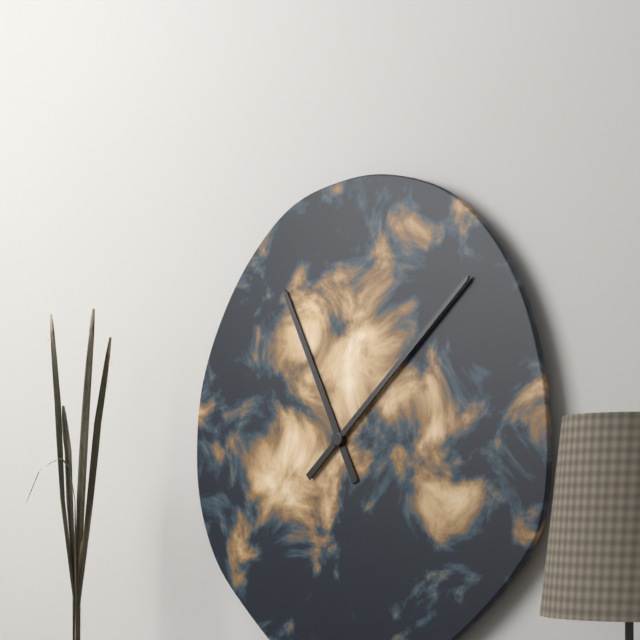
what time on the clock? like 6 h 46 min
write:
11 h 08 min
